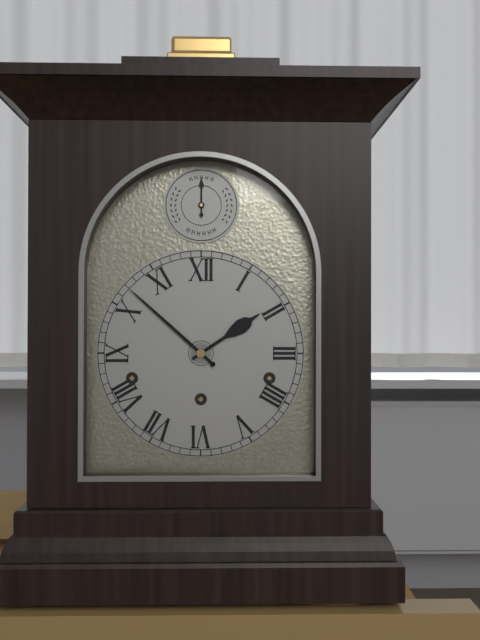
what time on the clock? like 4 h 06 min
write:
1 h 52 min
